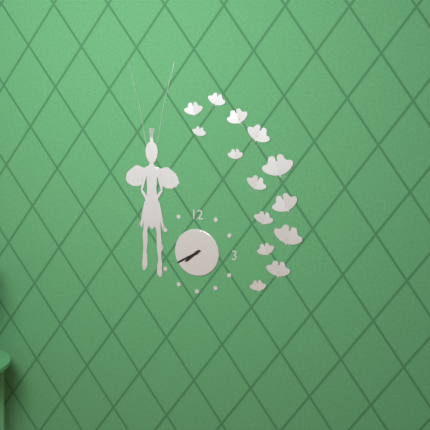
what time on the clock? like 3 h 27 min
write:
7 h 40 min
